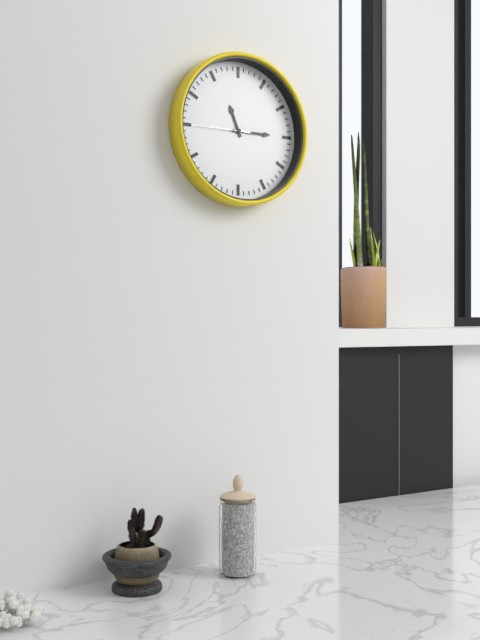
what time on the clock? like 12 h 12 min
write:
11 h 15 min
